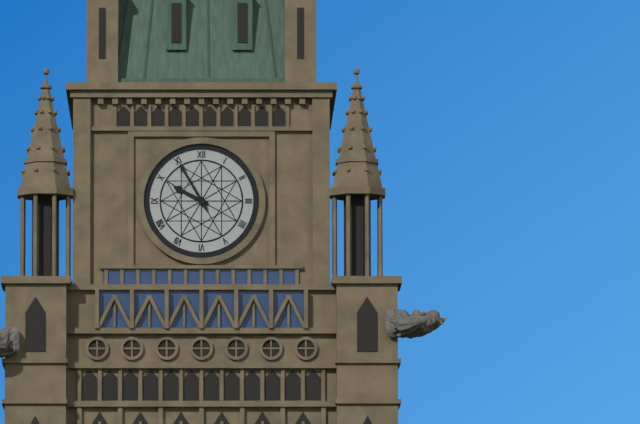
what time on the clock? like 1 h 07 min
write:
9 h 55 min
